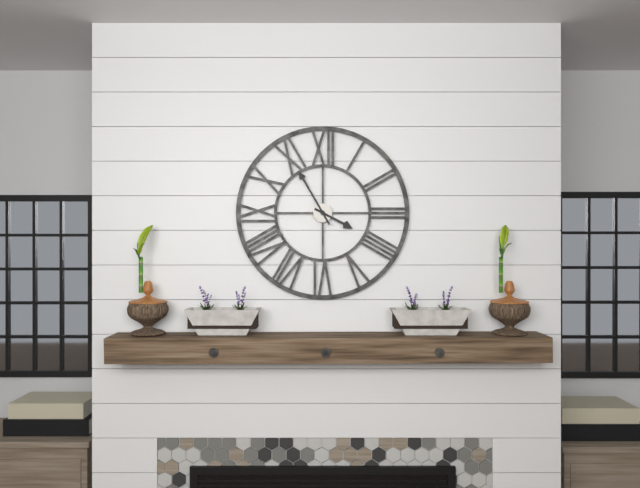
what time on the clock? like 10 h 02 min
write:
3 h 55 min
